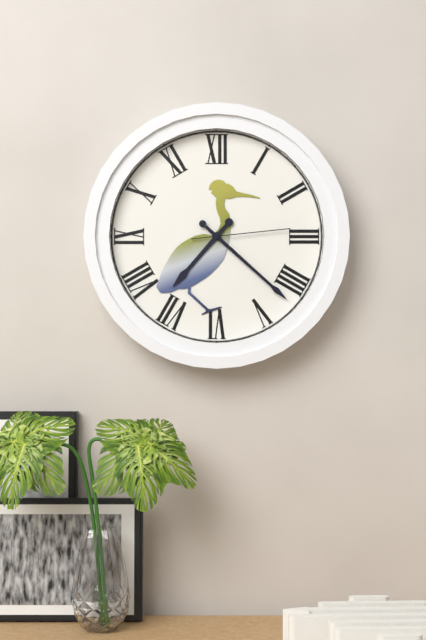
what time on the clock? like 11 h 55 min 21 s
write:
7 h 22 min 14 s
